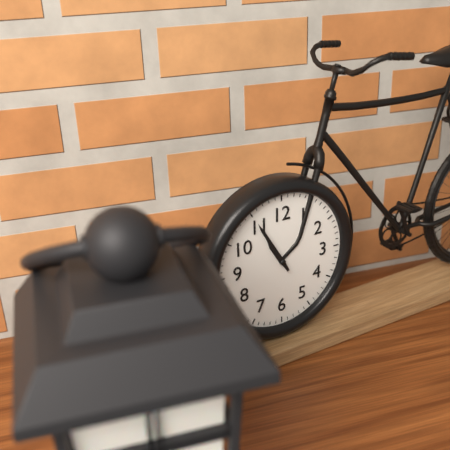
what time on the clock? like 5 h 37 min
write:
10 h 55 min
